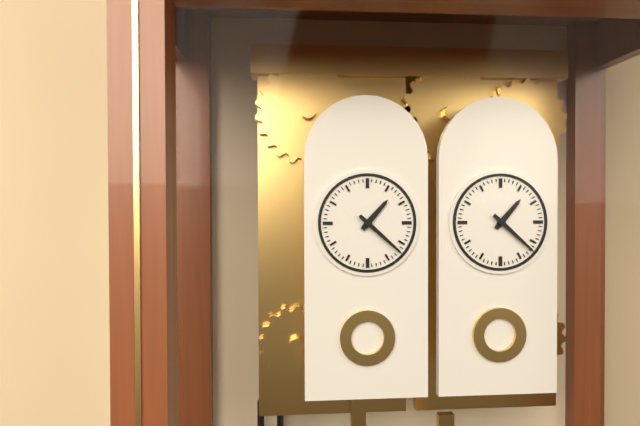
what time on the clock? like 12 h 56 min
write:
1 h 22 min
